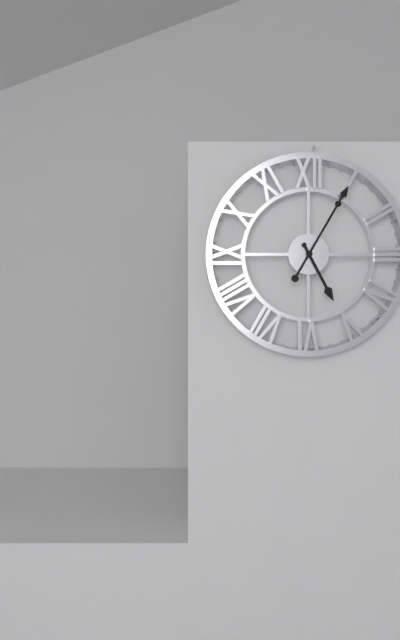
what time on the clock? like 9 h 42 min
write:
5 h 05 min
